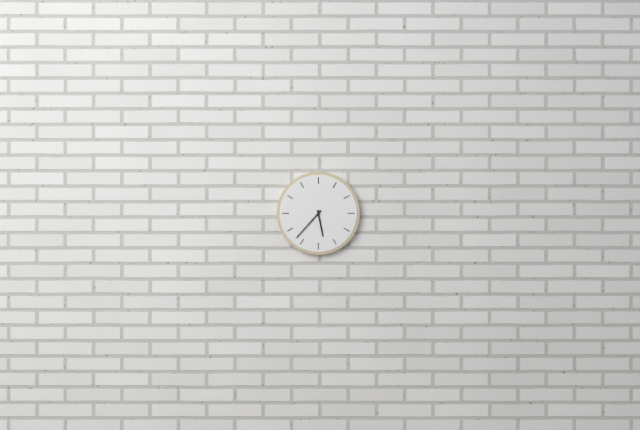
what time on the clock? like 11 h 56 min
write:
5 h 37 min
